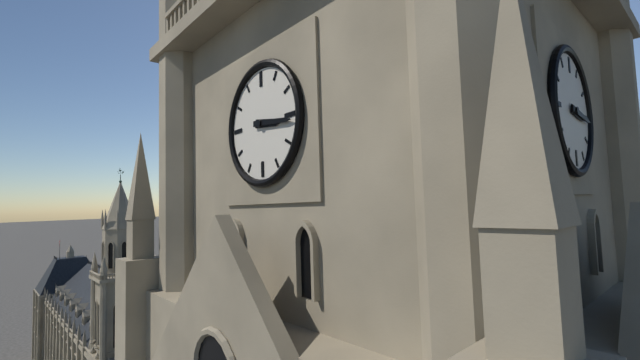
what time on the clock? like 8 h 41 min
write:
3 h 16 min
